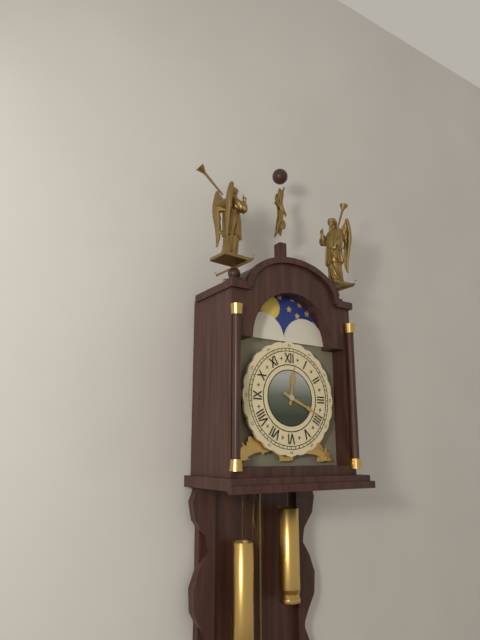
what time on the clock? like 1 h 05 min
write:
12 h 19 min
